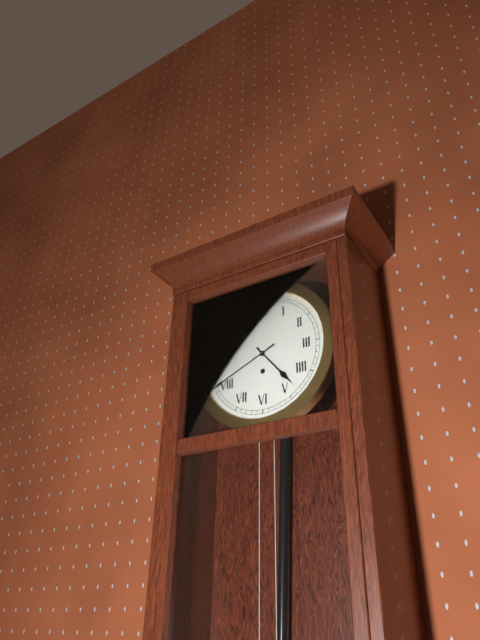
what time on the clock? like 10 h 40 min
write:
4 h 41 min
